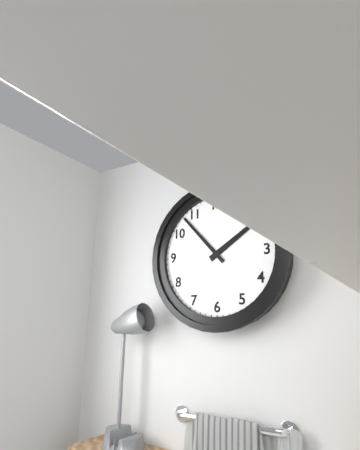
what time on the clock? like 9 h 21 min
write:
1 h 53 min
